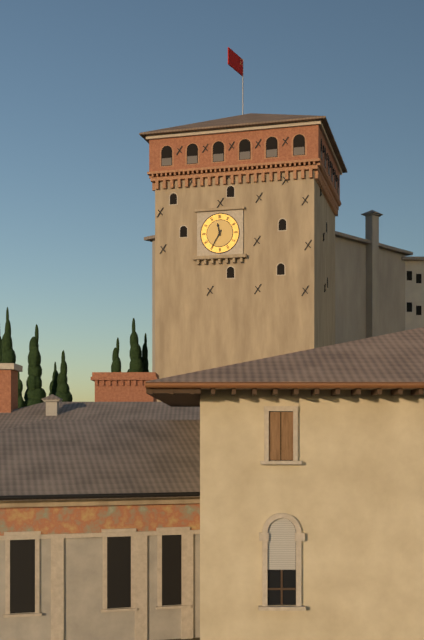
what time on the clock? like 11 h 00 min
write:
11 h 35 min
